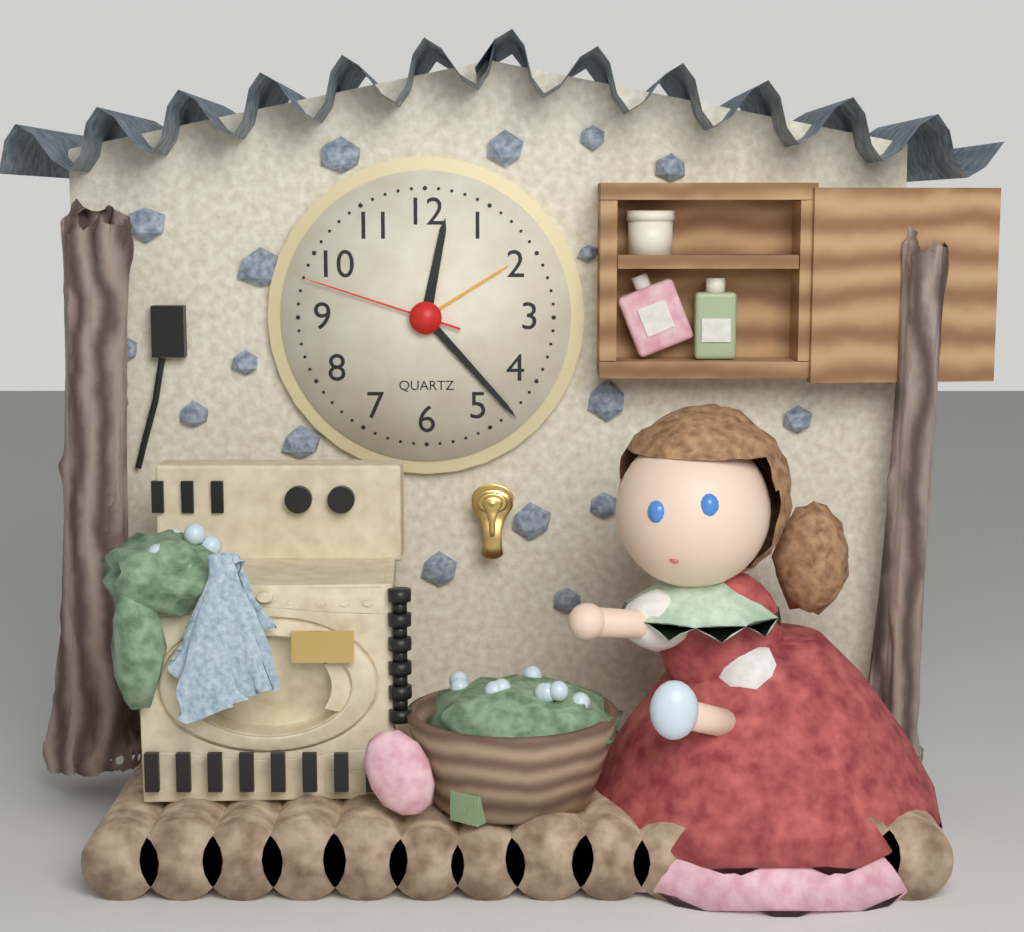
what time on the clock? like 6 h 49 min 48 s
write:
12 h 23 min 48 s
